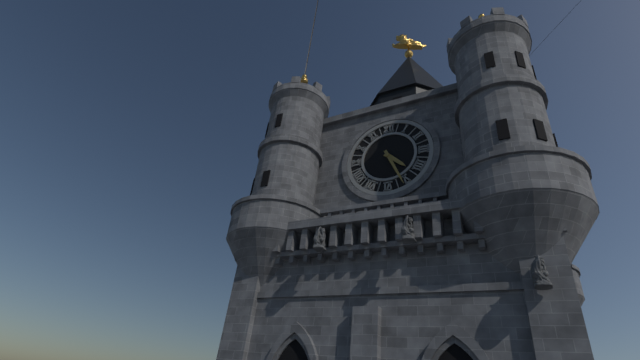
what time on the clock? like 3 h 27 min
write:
4 h 26 min
